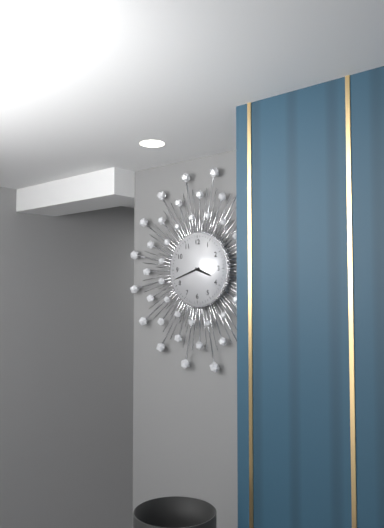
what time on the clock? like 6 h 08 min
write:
3 h 42 min
